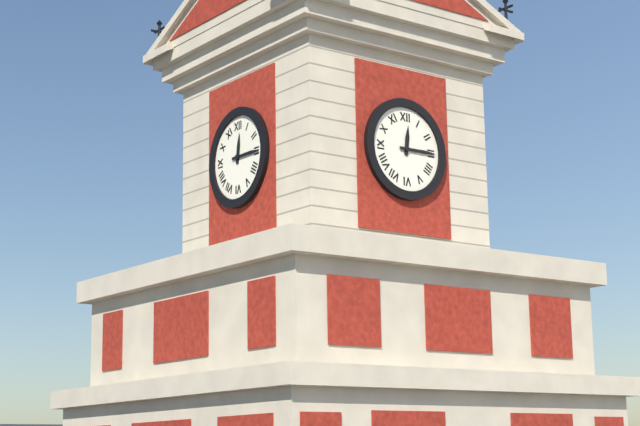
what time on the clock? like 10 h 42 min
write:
12 h 15 min
